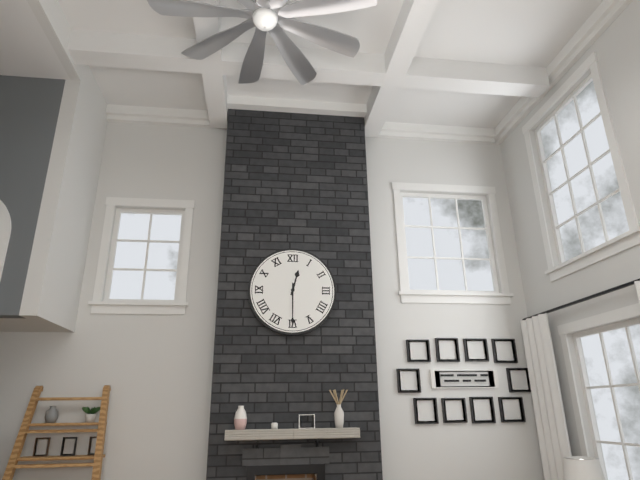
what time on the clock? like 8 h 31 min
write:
12 h 30 min
